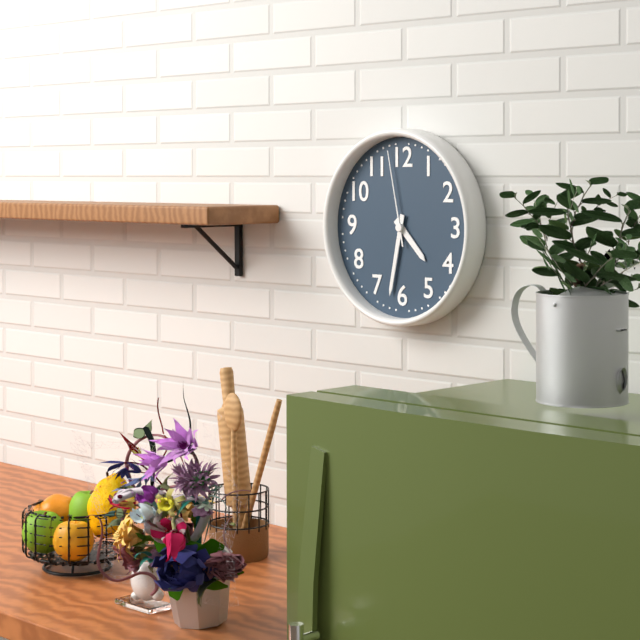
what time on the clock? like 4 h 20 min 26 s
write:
4 h 32 min 58 s
